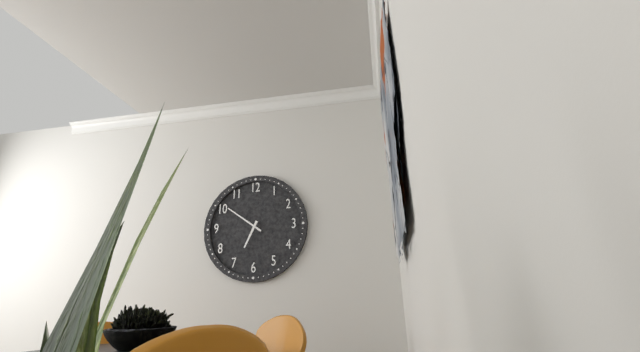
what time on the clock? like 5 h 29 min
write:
6 h 51 min
